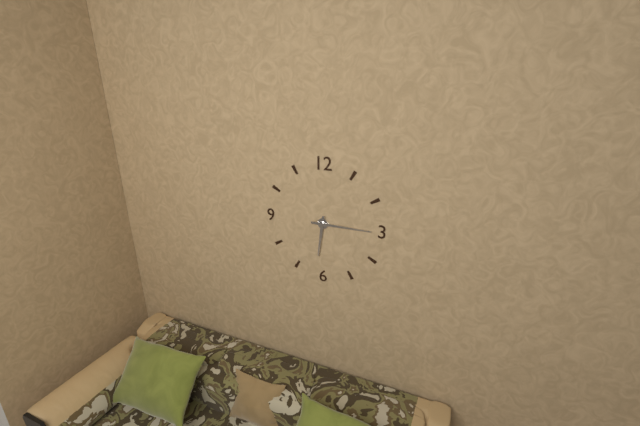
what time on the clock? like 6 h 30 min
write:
6 h 15 min
